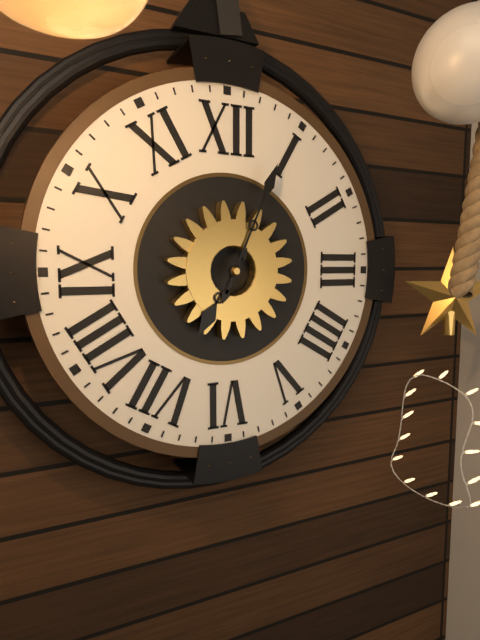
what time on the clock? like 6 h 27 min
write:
7 h 04 min
